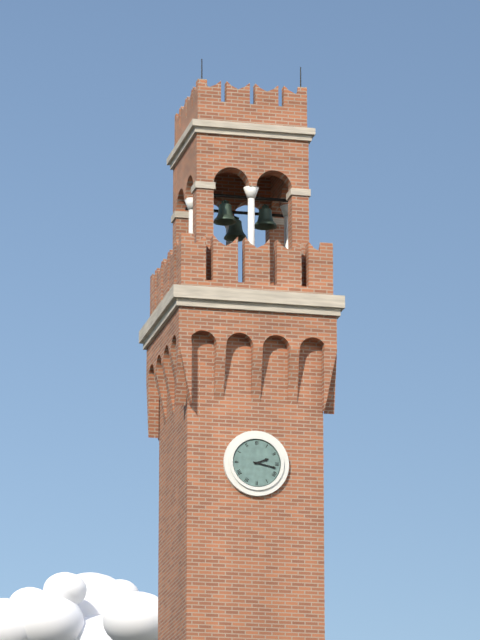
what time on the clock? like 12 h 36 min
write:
2 h 17 min
